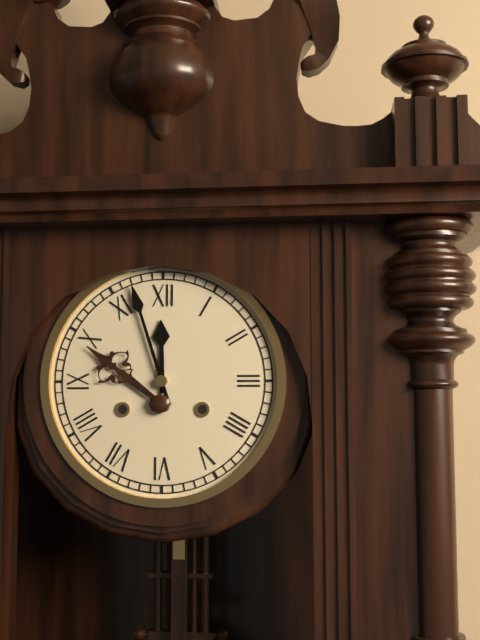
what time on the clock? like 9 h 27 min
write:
11 h 57 min
